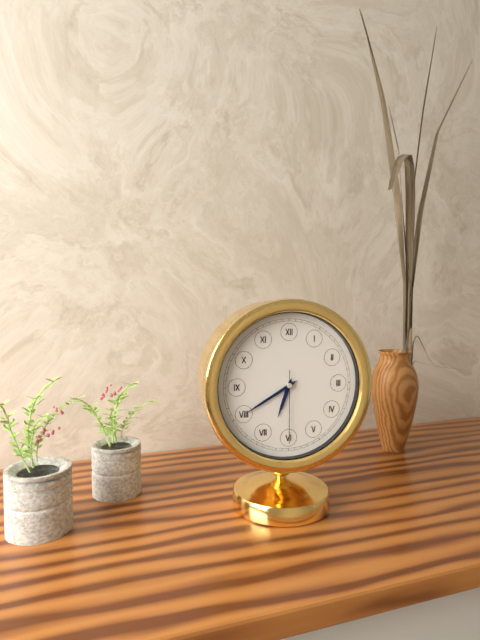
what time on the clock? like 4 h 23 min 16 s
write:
6 h 40 min 30 s
